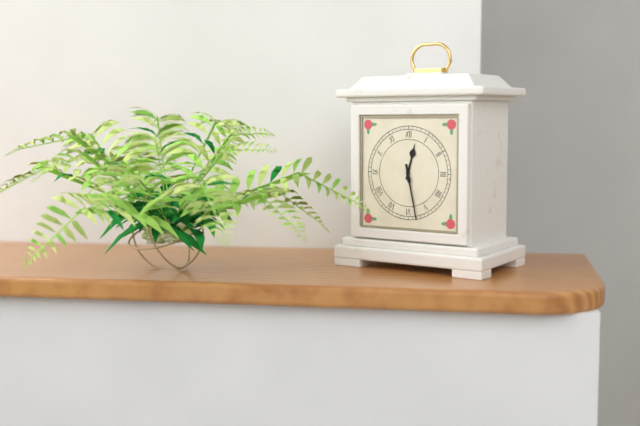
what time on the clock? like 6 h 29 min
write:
12 h 28 min
